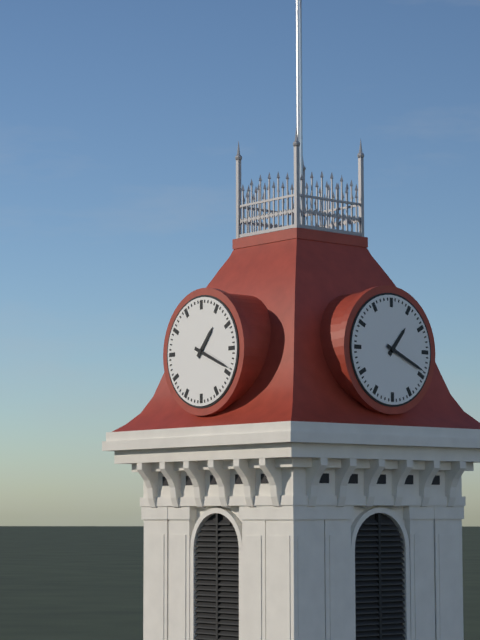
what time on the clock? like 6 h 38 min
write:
1 h 19 min
